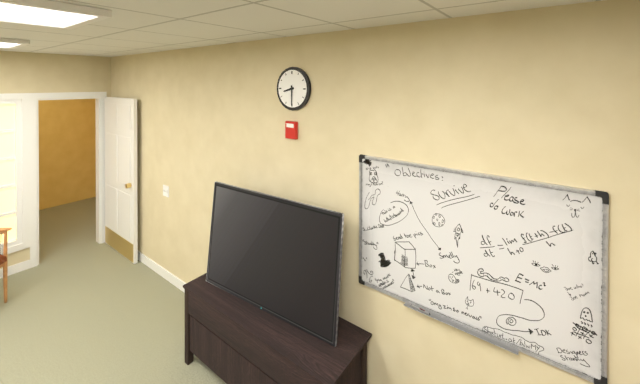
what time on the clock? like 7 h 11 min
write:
8 h 30 min
